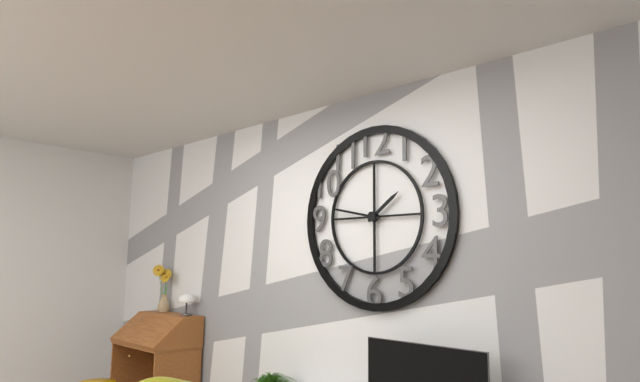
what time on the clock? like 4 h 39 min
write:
1 h 47 min
